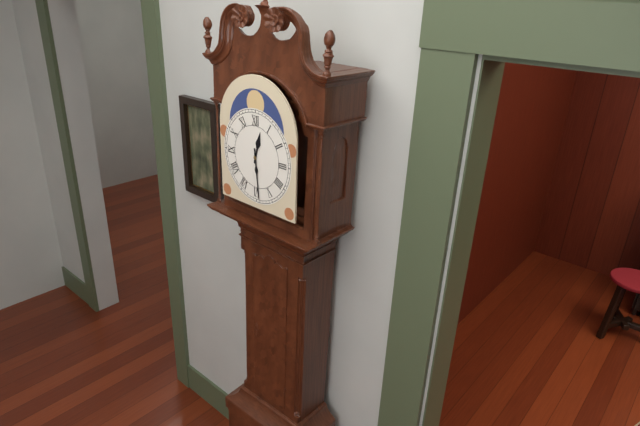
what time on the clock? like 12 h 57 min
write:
12 h 29 min
